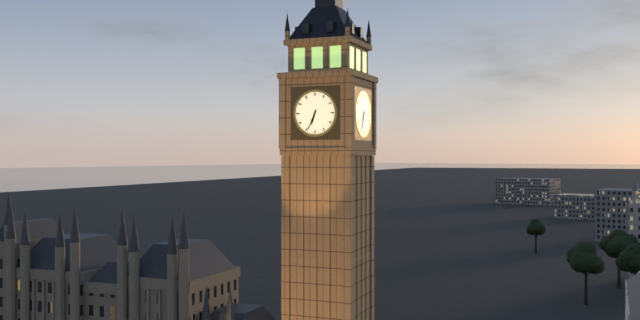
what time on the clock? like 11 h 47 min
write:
6 h 34 min
